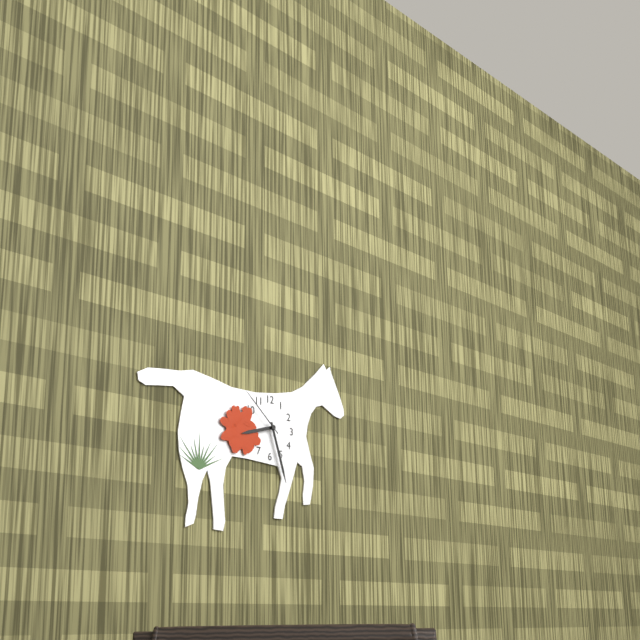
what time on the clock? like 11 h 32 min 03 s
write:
8 h 27 min 52 s
